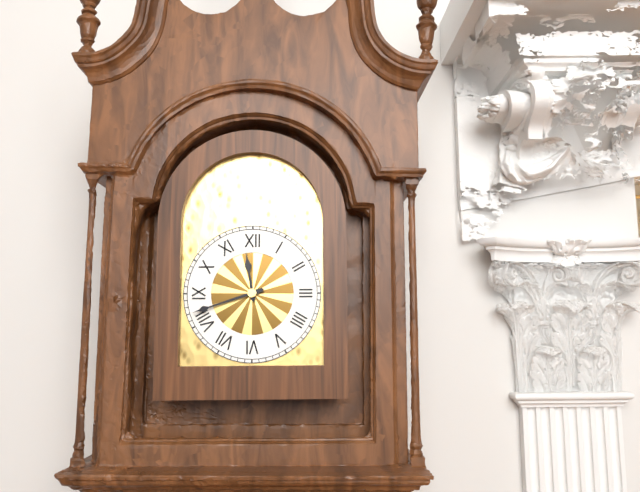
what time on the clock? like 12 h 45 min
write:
11 h 42 min
